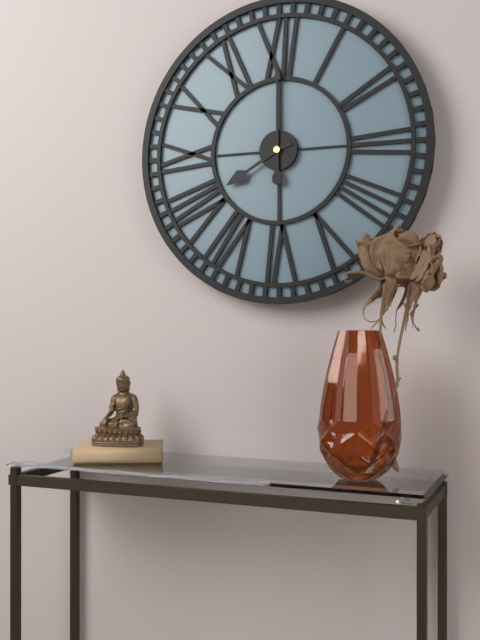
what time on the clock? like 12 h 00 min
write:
8 h 00 min
